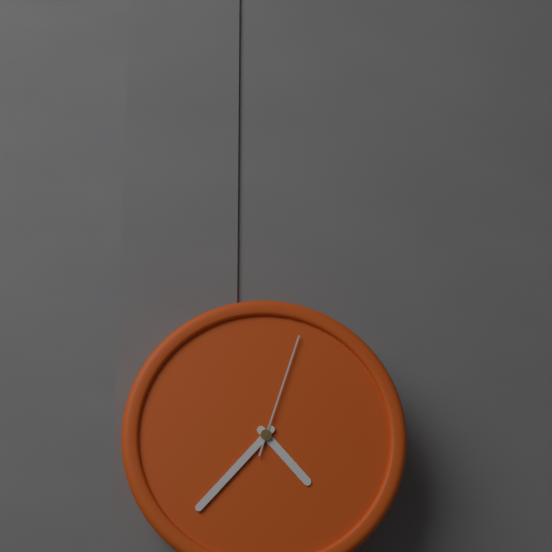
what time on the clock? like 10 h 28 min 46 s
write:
4 h 37 min 03 s
